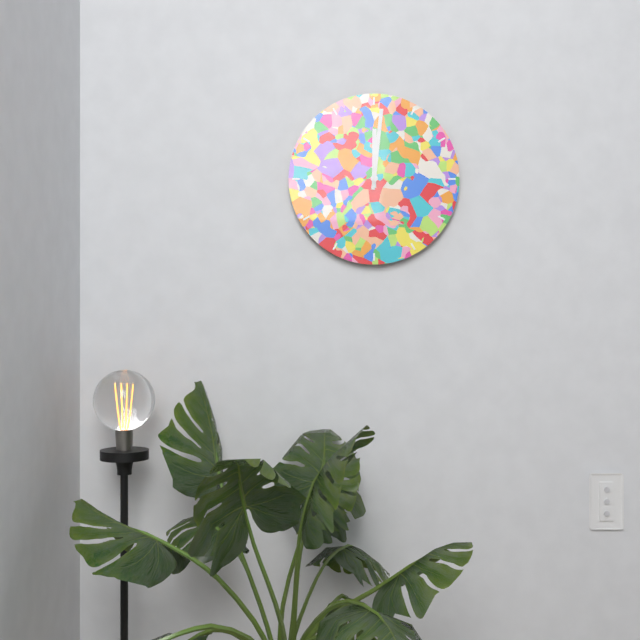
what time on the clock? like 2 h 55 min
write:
12 h 01 min
